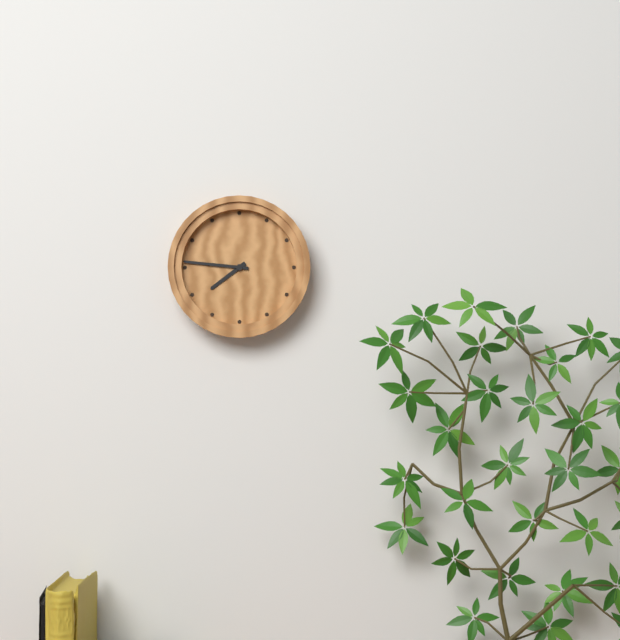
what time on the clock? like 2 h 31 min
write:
7 h 46 min
